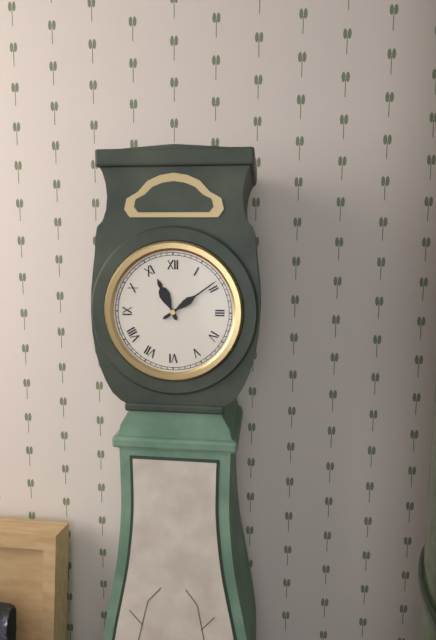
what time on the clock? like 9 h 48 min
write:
11 h 09 min
